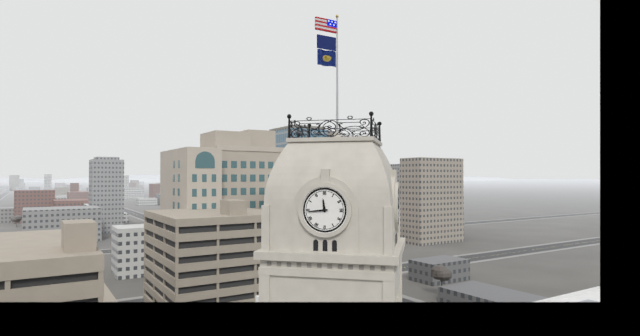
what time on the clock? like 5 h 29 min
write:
11 h 44 min
